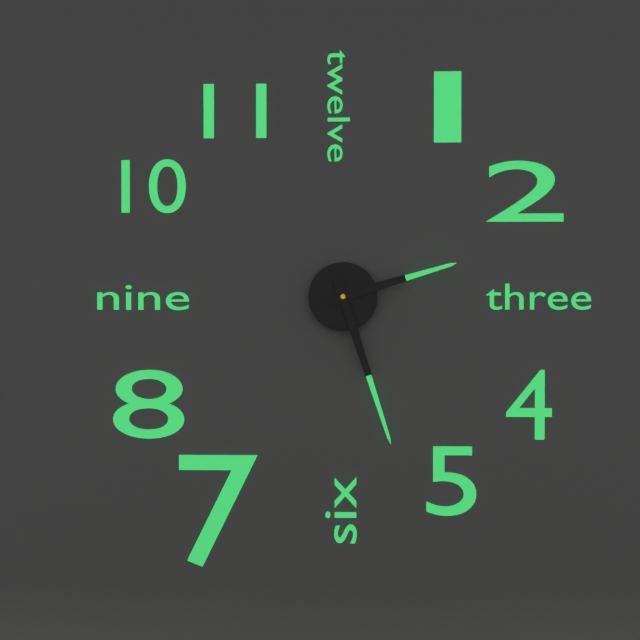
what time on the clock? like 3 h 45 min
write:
2 h 27 min
